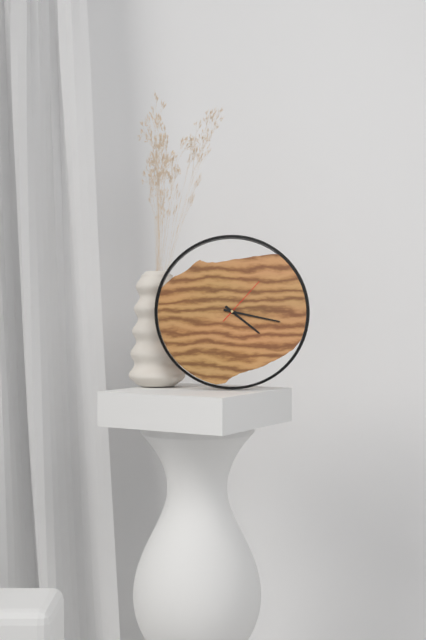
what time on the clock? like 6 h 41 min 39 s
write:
4 h 17 min 07 s
